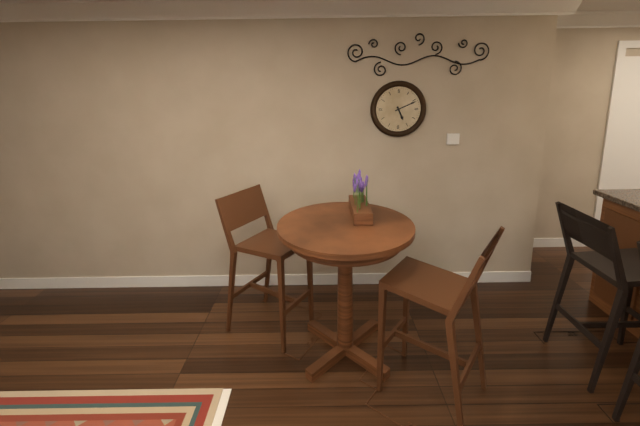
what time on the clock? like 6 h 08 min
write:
5 h 11 min
